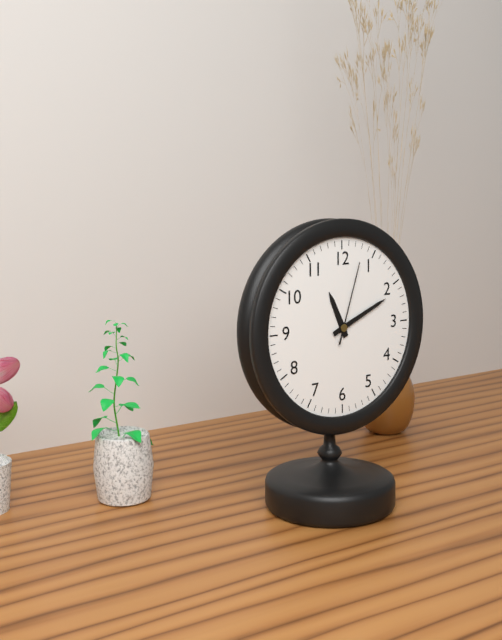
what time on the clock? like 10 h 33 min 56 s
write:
11 h 11 min 03 s
